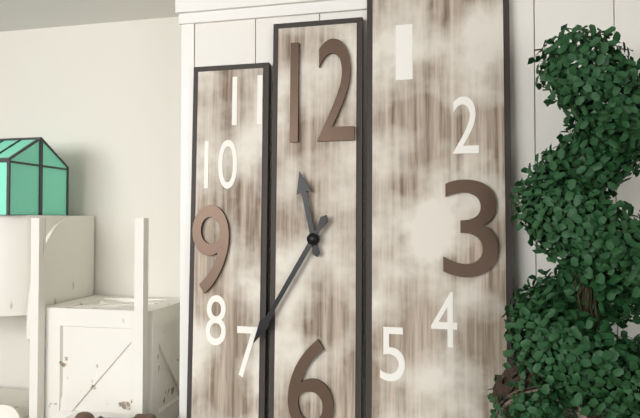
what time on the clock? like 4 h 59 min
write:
11 h 35 min
